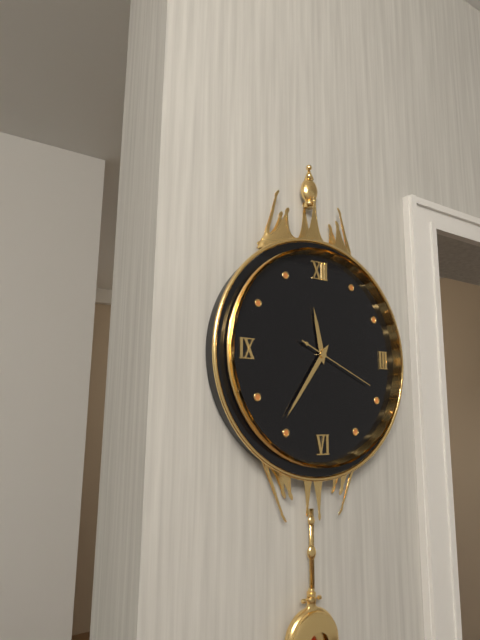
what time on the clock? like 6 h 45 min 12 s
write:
11 h 36 min 19 s
